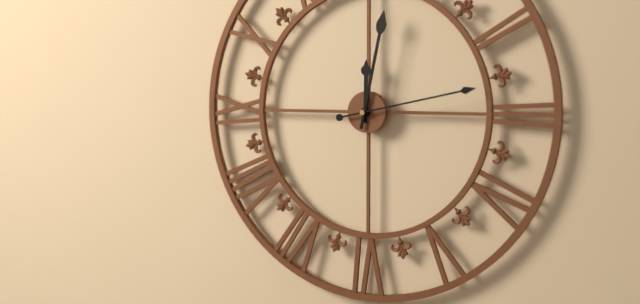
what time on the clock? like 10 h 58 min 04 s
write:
12 h 02 min 13 s
